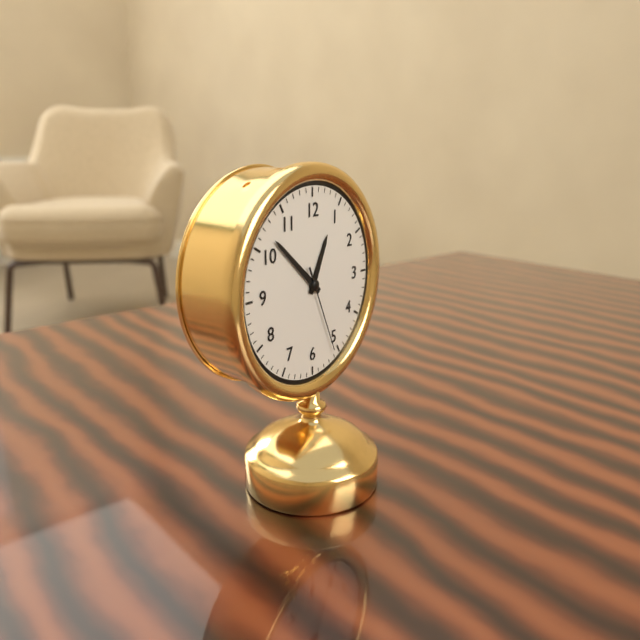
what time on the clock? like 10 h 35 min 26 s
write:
12 h 52 min 26 s
